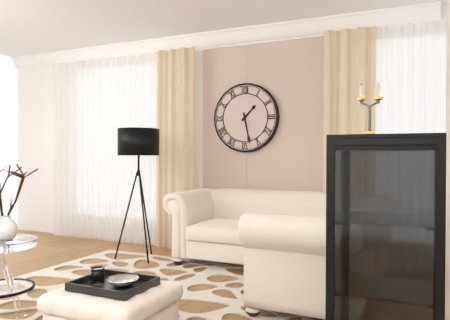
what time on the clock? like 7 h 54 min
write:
1 h 28 min
